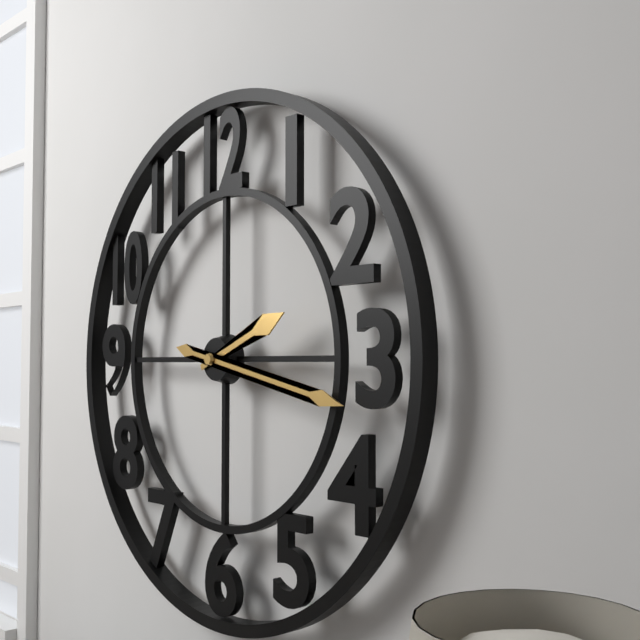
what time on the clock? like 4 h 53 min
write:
2 h 17 min
